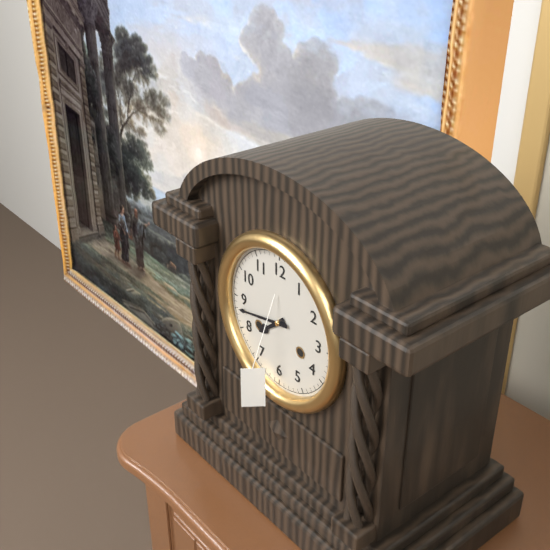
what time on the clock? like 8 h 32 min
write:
7 h 43 min
